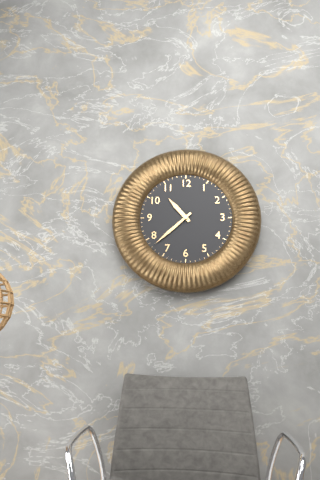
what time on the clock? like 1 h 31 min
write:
10 h 38 min
